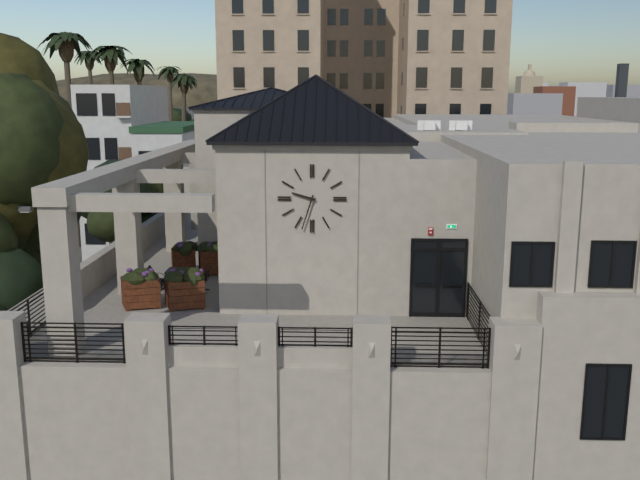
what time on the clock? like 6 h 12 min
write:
9 h 33 min
